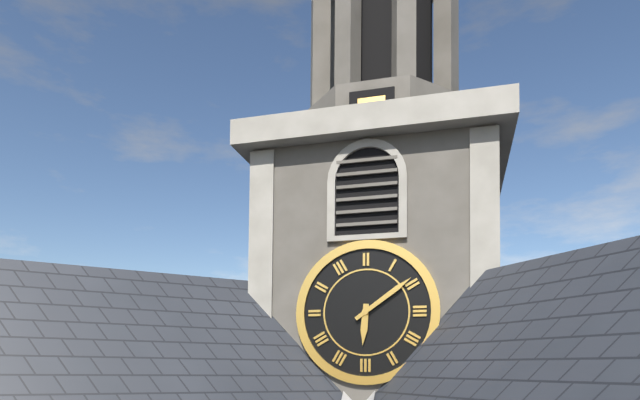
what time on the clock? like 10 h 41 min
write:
6 h 09 min
